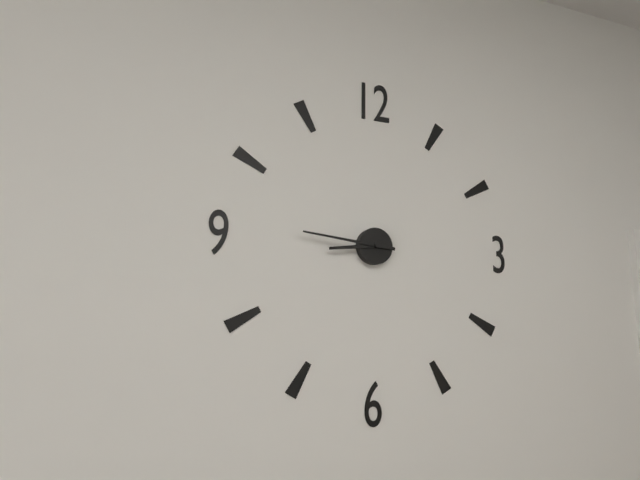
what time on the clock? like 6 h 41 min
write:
8 h 46 min
